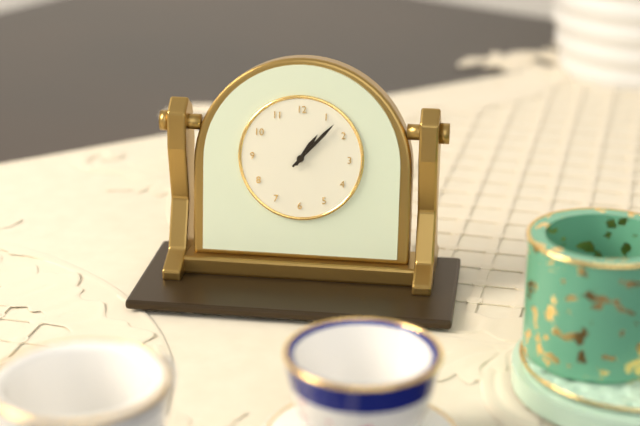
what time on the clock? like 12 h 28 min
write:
1 h 07 min
